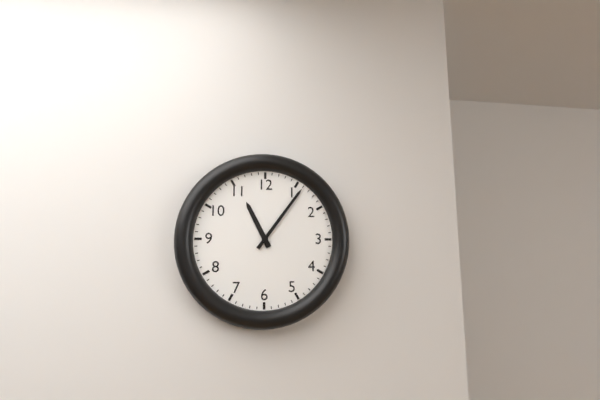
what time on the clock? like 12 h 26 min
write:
11 h 06 min
